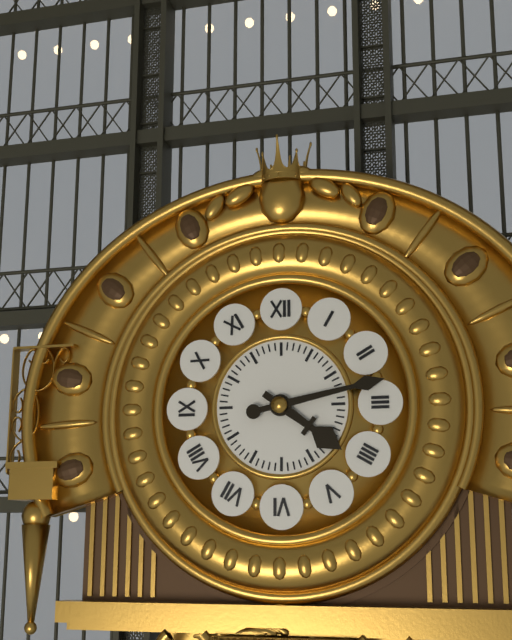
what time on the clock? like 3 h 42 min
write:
4 h 13 min
